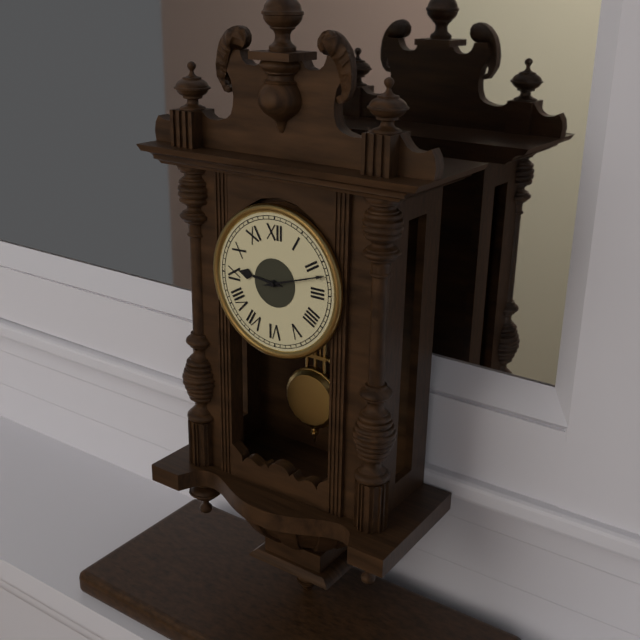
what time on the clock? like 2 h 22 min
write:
9 h 12 min
